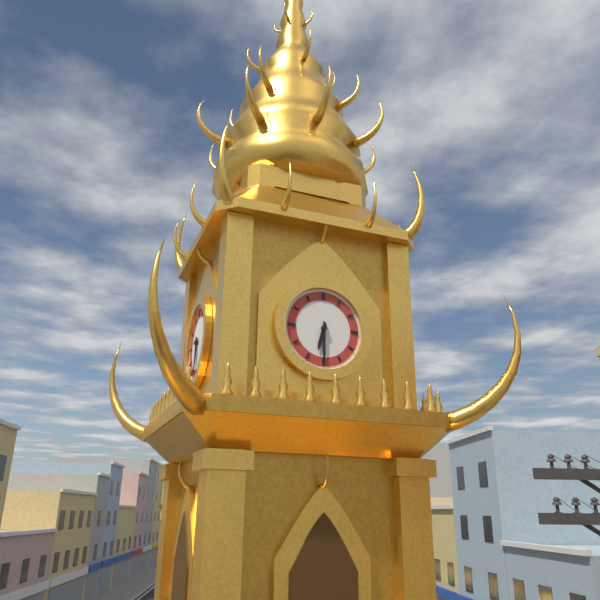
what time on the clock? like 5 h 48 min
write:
6 h 30 min
